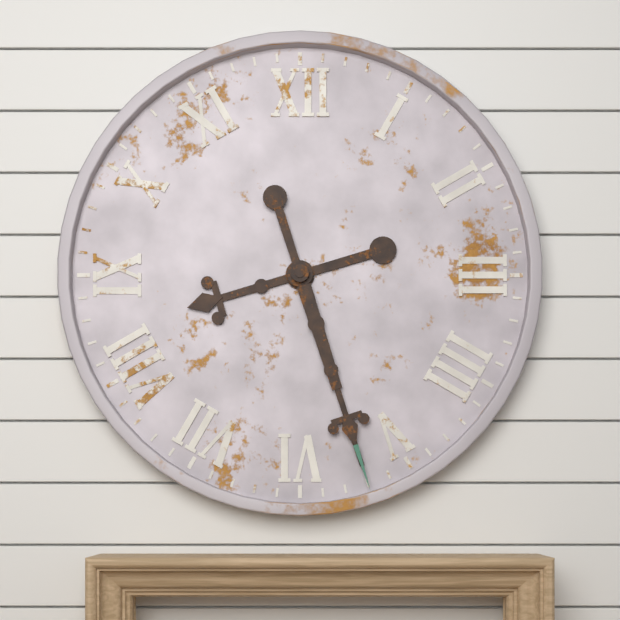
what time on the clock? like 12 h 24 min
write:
8 h 27 min
